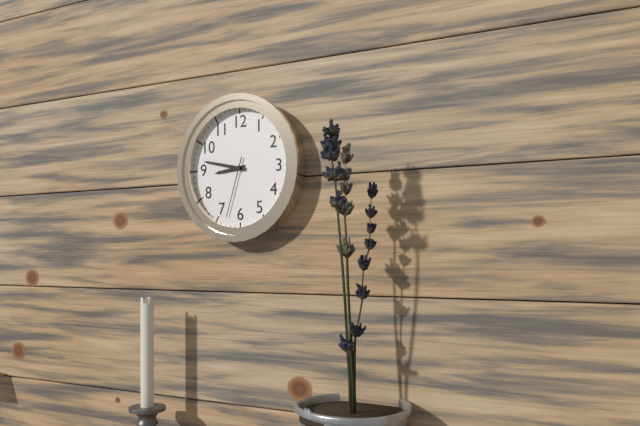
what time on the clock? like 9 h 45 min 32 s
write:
8 h 47 min 33 s
